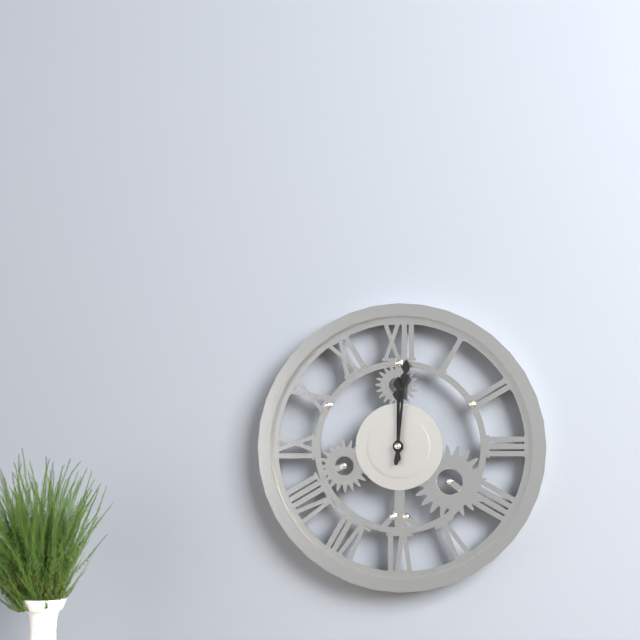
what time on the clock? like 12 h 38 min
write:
12 h 01 min
